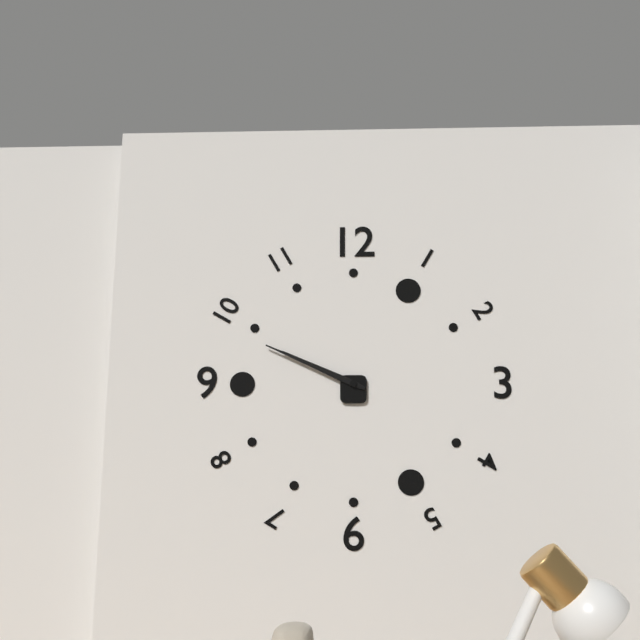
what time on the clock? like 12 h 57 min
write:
9 h 49 min
